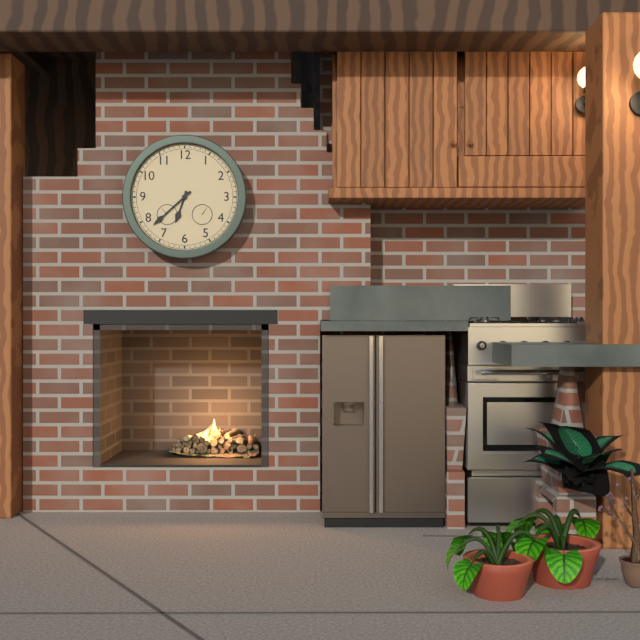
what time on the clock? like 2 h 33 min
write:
6 h 38 min
